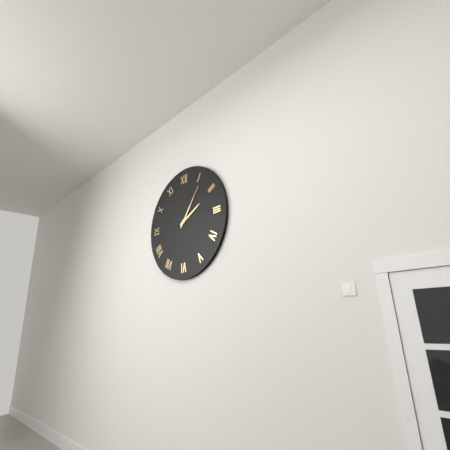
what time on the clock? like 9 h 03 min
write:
2 h 06 min
